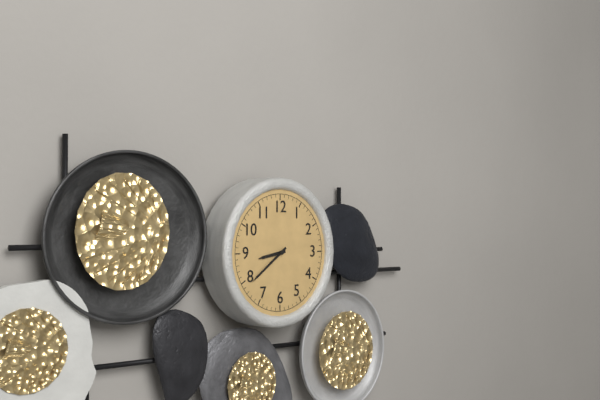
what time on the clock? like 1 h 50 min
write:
8 h 39 min
